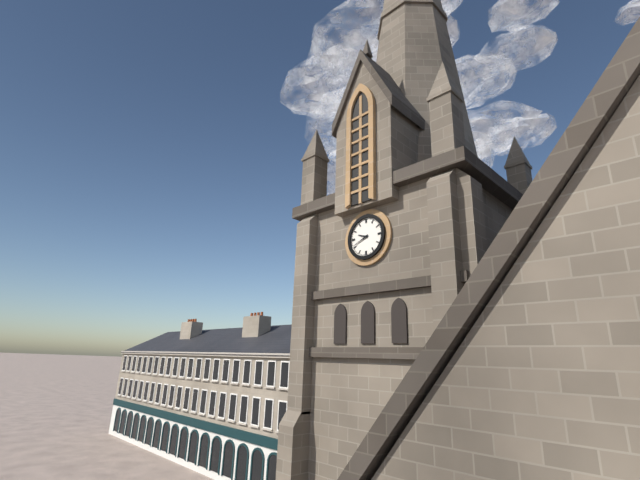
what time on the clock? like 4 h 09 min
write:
9 h 41 min
